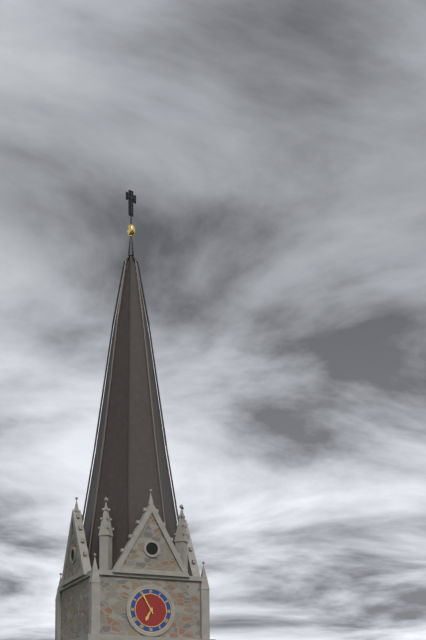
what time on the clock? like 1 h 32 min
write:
6 h 55 min
